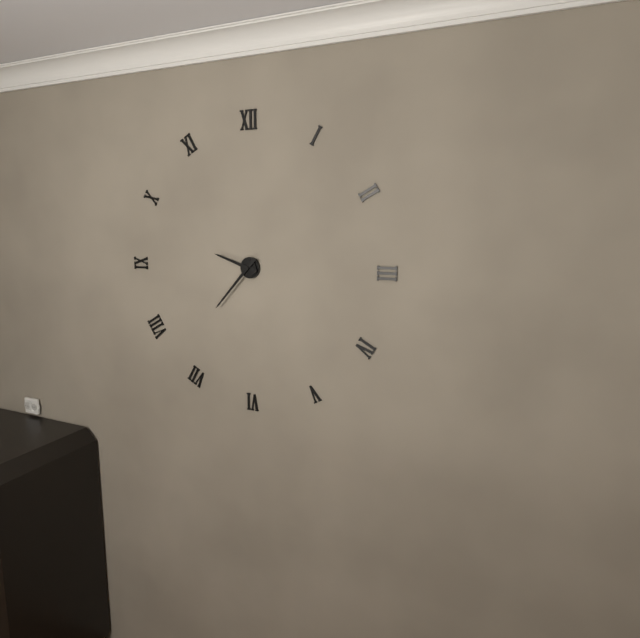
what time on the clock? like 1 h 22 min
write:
9 h 37 min
